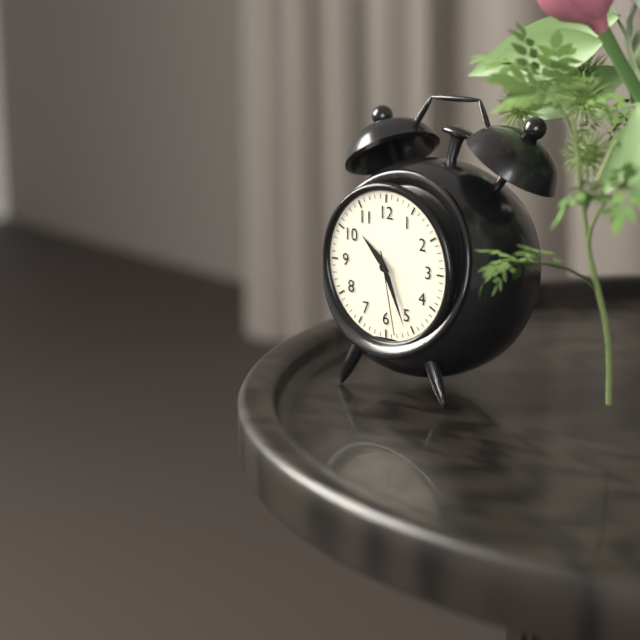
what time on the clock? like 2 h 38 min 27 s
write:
10 h 26 min 28 s
